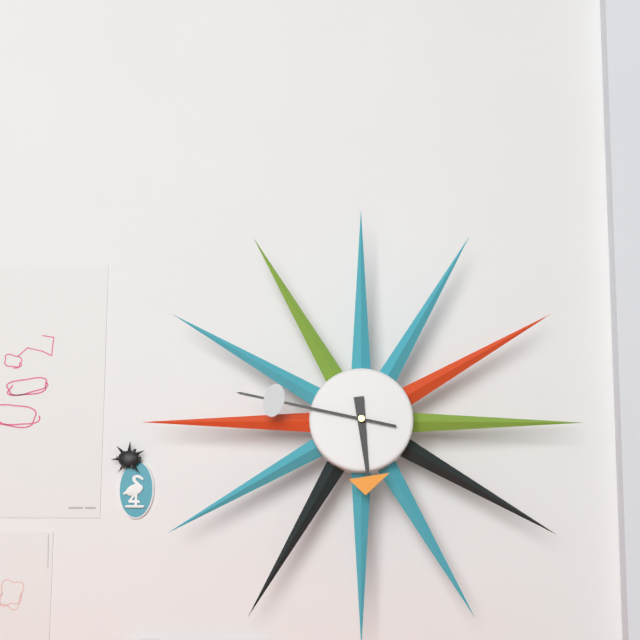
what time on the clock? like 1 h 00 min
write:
5 h 47 min
